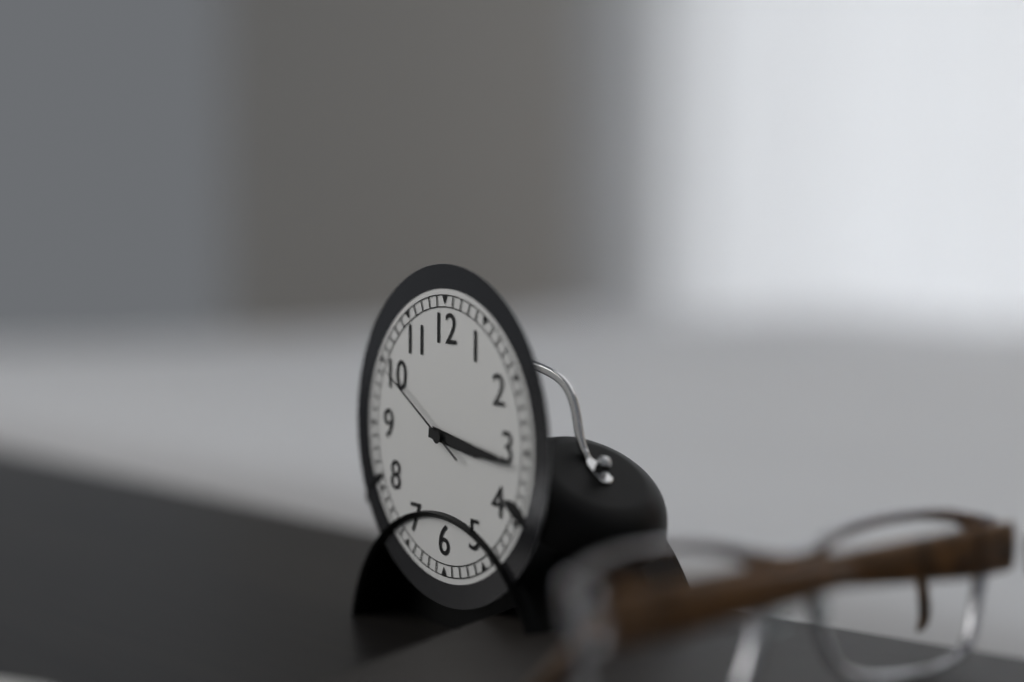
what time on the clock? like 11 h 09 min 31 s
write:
3 h 16 min 50 s
